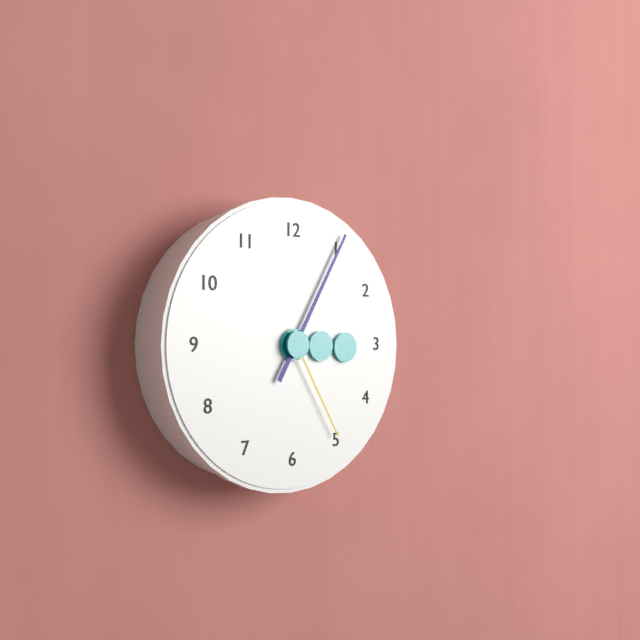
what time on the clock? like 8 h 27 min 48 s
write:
3 h 05 min 25 s
